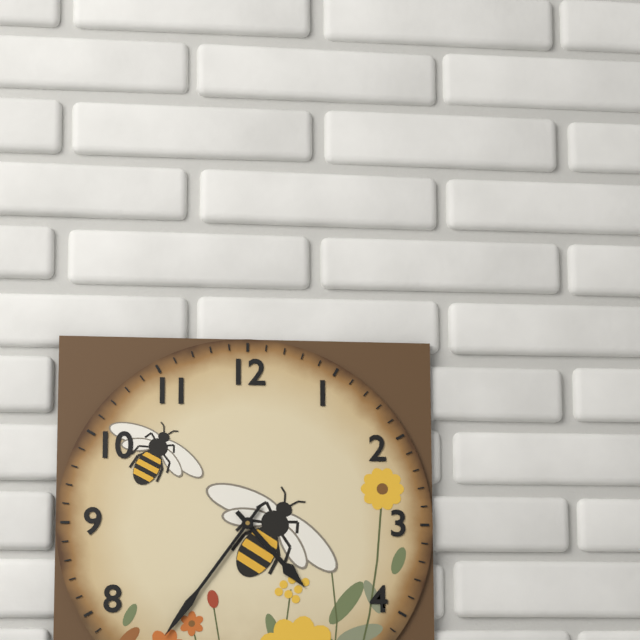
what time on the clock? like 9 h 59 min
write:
4 h 36 min
